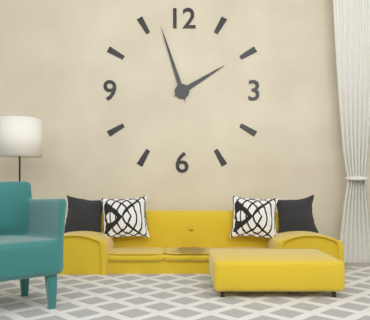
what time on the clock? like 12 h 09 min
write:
1 h 57 min
